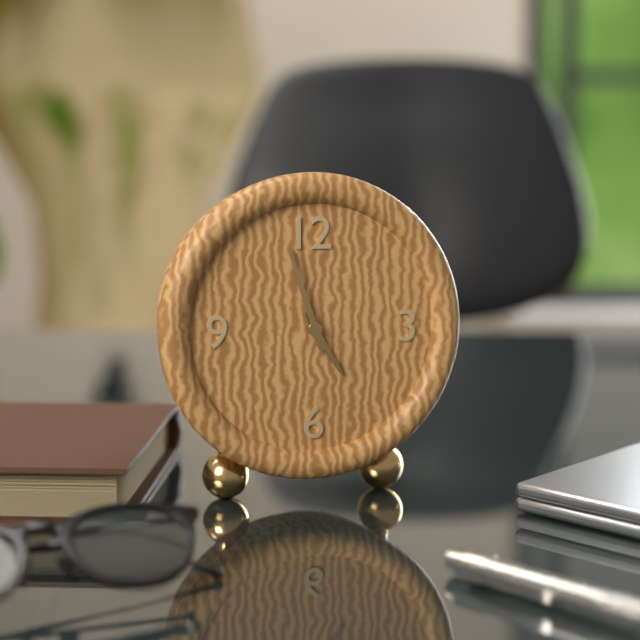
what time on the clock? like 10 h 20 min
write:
4 h 57 min
